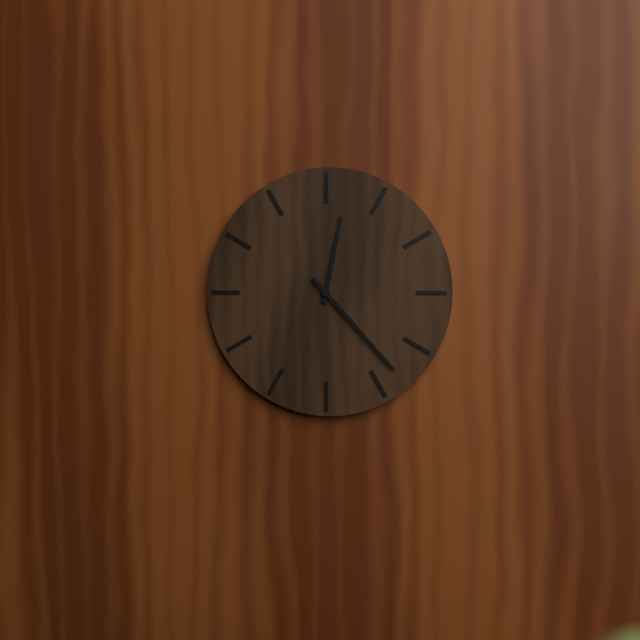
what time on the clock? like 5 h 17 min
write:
12 h 23 min
